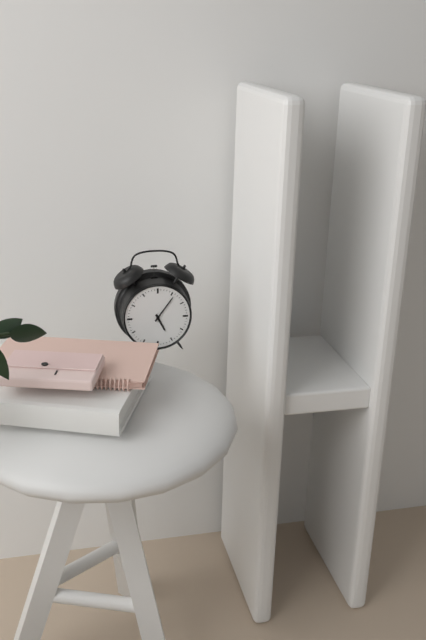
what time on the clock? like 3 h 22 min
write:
5 h 06 min
